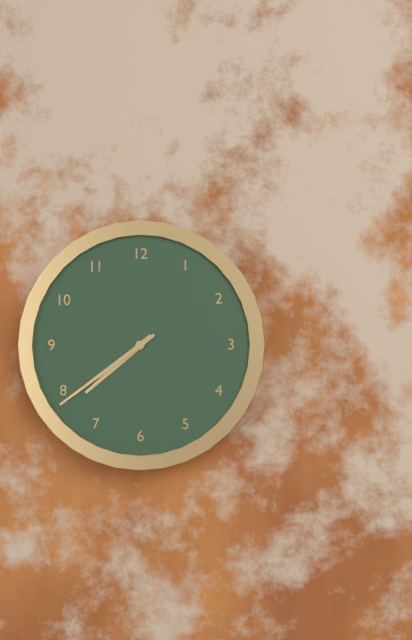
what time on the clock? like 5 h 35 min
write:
7 h 39 min
